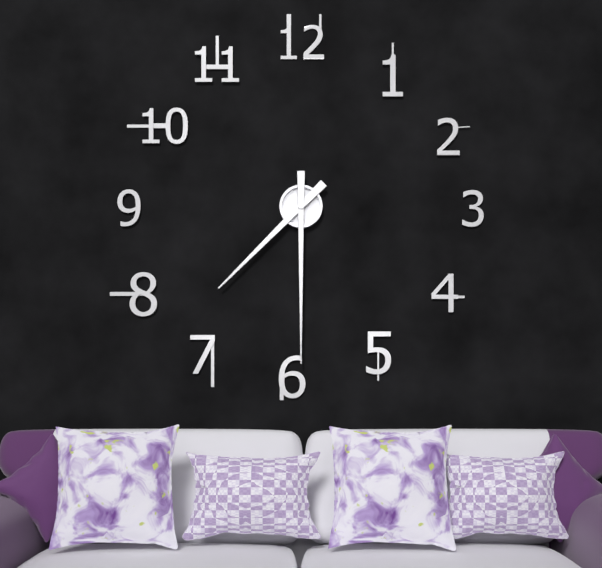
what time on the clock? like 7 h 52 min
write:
7 h 30 min
